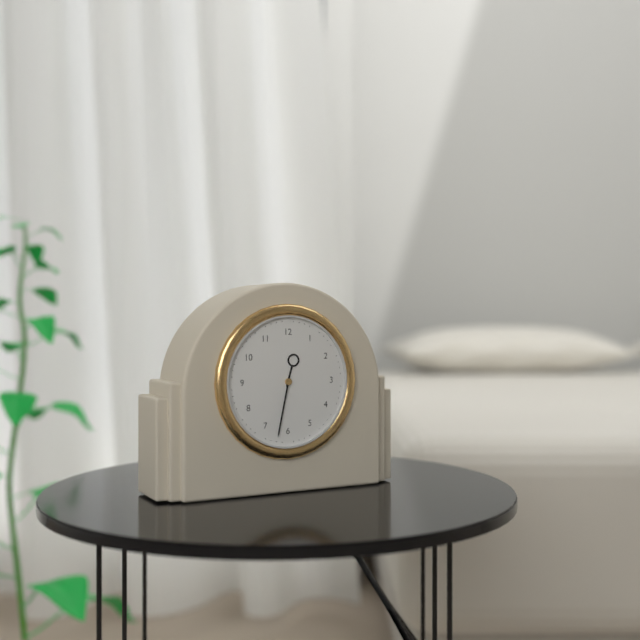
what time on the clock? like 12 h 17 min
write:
12 h 32 min
